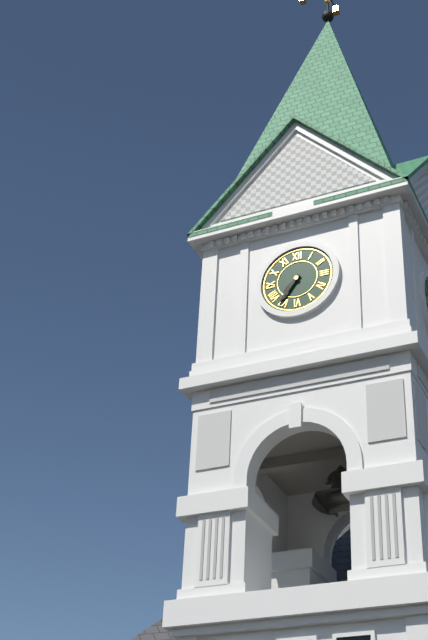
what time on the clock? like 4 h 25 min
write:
7 h 36 min
